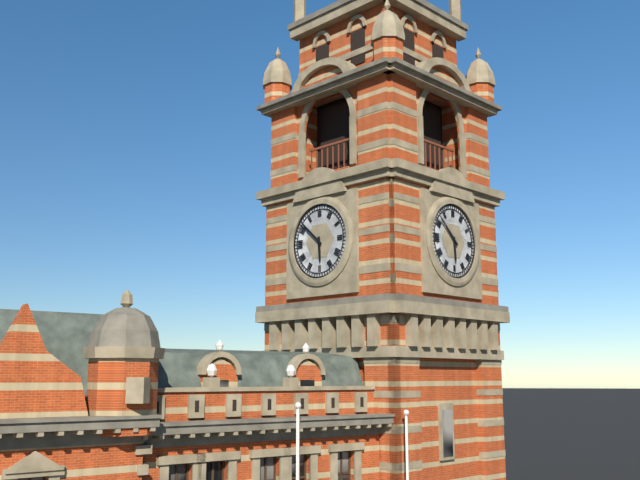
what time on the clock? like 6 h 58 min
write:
5 h 52 min
